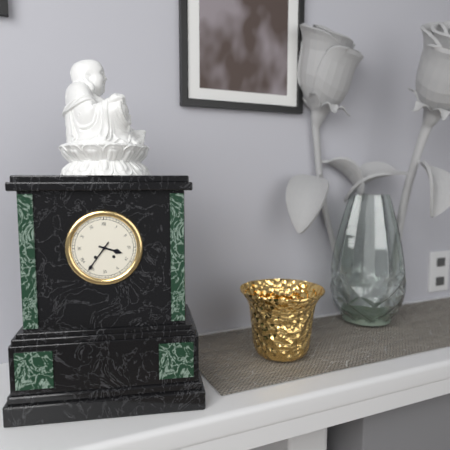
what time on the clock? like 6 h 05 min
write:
3 h 36 min
